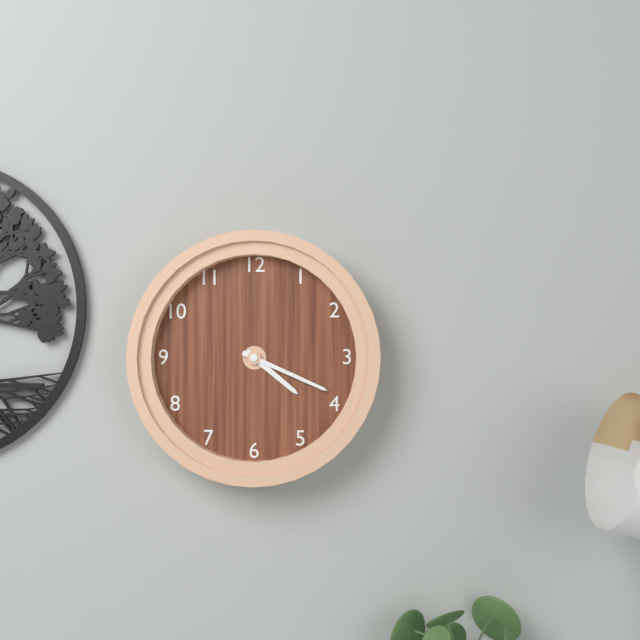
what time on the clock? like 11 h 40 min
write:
4 h 19 min
